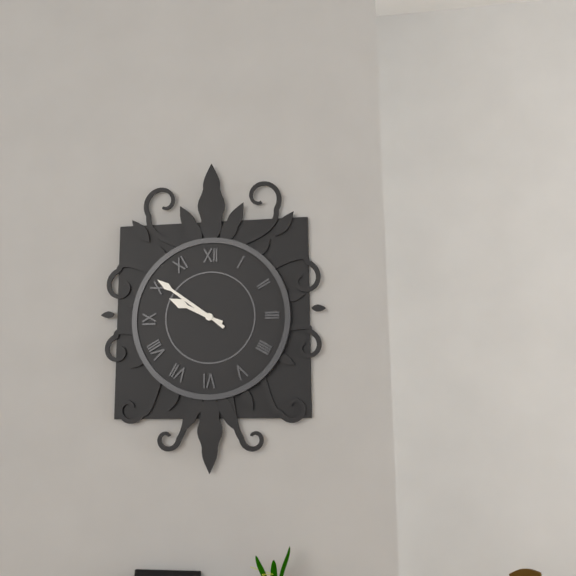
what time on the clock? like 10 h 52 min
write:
9 h 51 min
